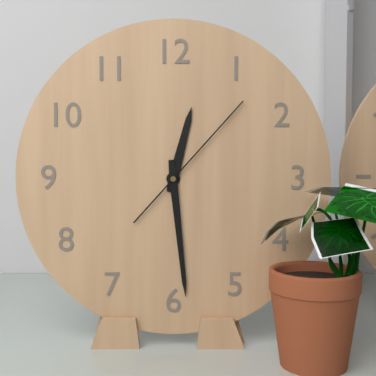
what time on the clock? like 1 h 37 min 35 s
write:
12 h 29 min 07 s
